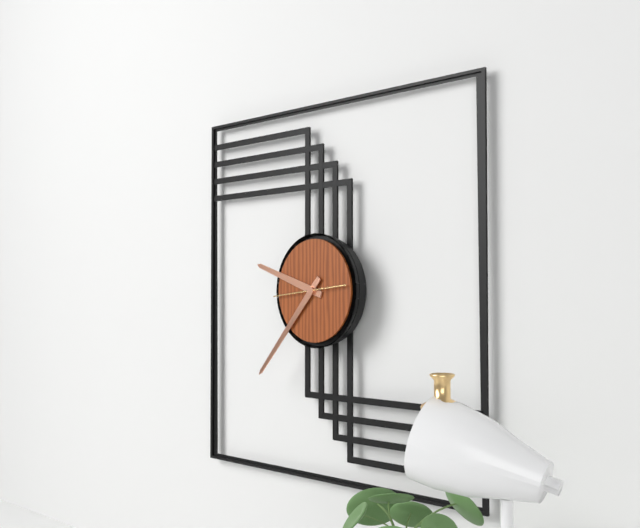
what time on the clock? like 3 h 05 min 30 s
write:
9 h 37 min 44 s
